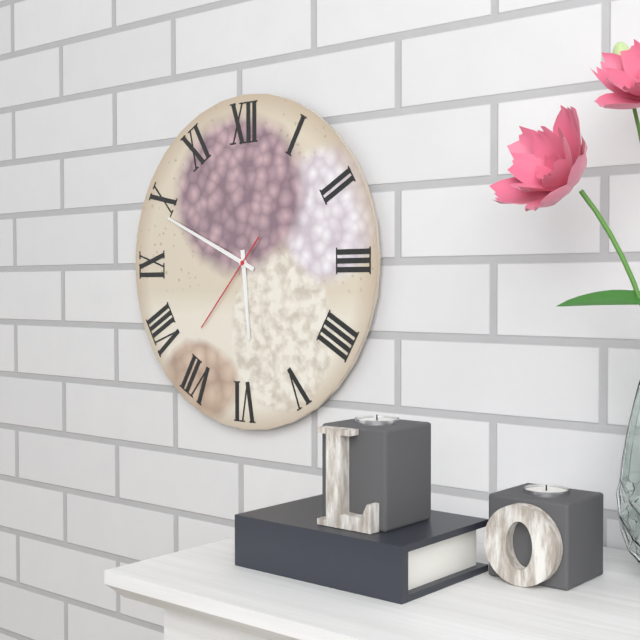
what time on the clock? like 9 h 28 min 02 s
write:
5 h 49 min 37 s
